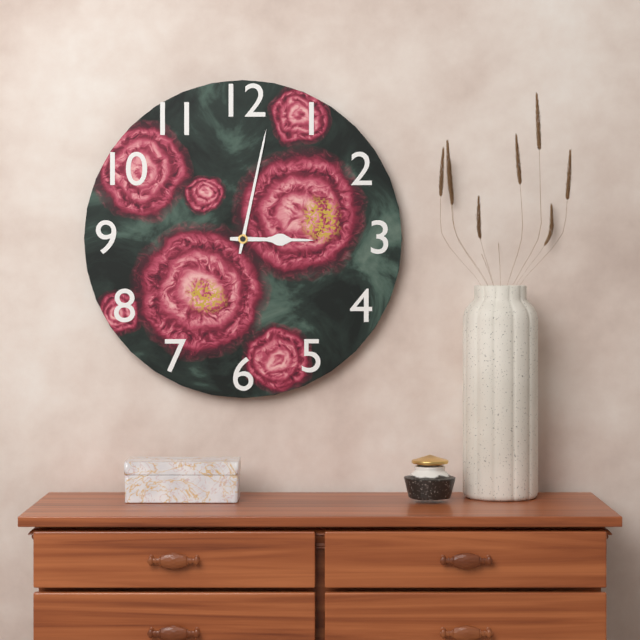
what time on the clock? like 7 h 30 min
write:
3 h 02 min
